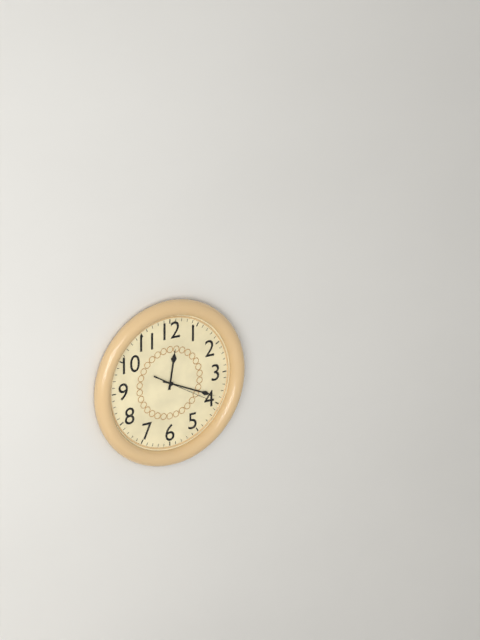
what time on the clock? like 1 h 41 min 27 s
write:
12 h 19 min 20 s
